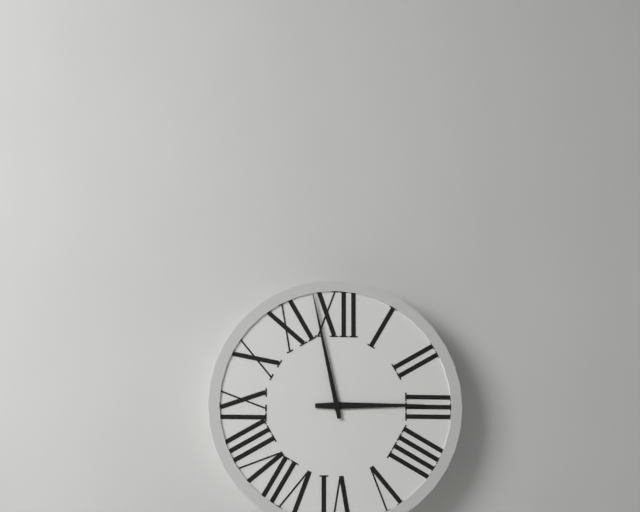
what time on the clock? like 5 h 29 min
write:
2 h 58 min
